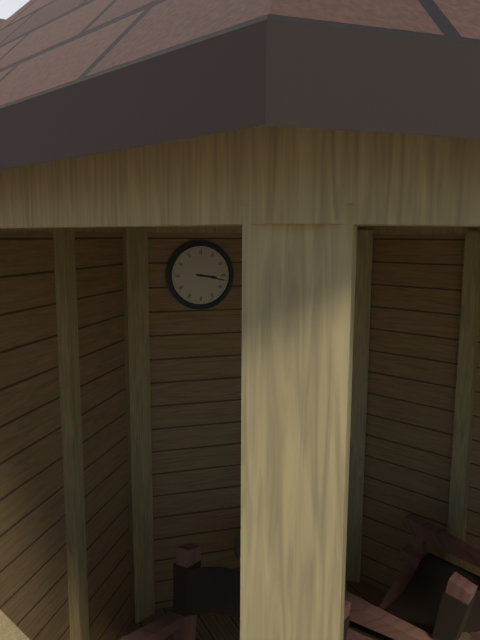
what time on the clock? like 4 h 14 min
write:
3 h 17 min
